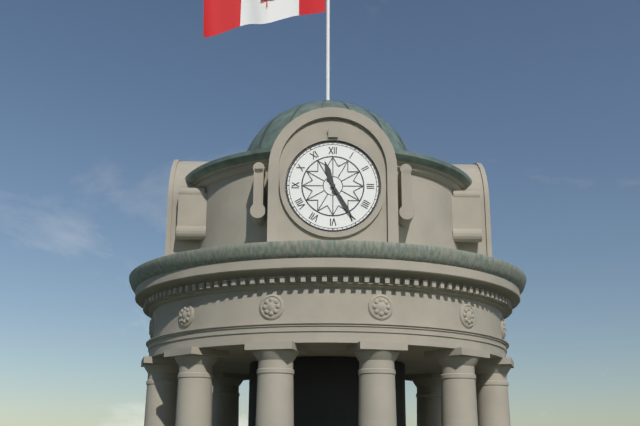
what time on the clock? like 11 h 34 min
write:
11 h 25 min
